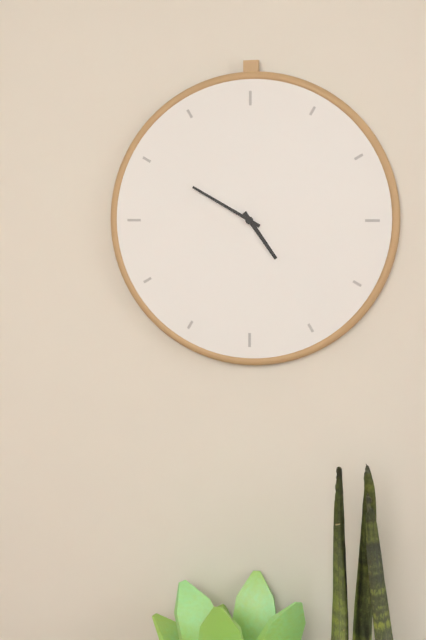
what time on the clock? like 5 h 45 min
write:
4 h 50 min
